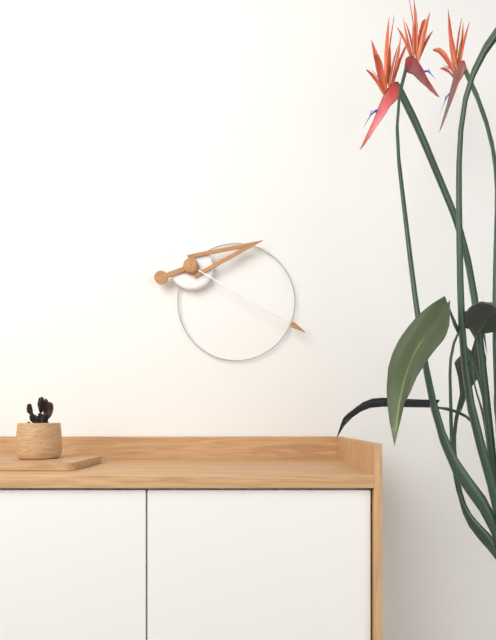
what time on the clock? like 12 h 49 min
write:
2 h 20 min
